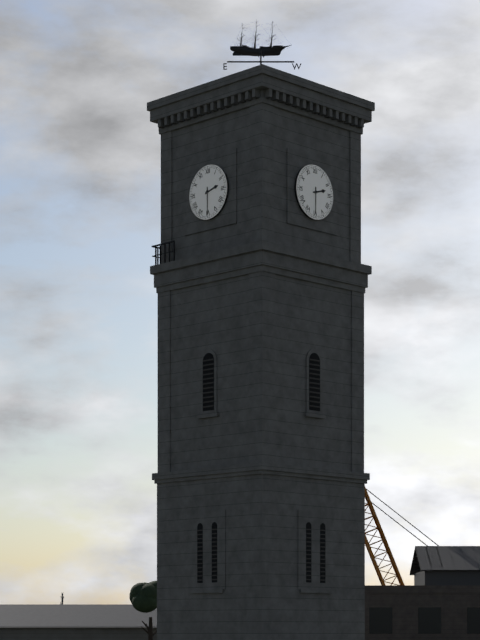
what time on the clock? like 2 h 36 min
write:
2 h 30 min
